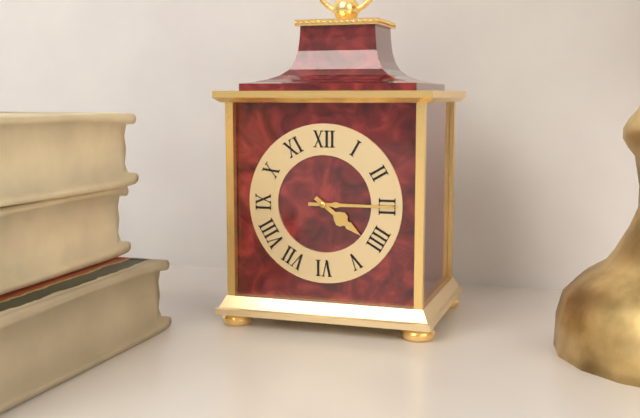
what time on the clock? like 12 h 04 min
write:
4 h 15 min
